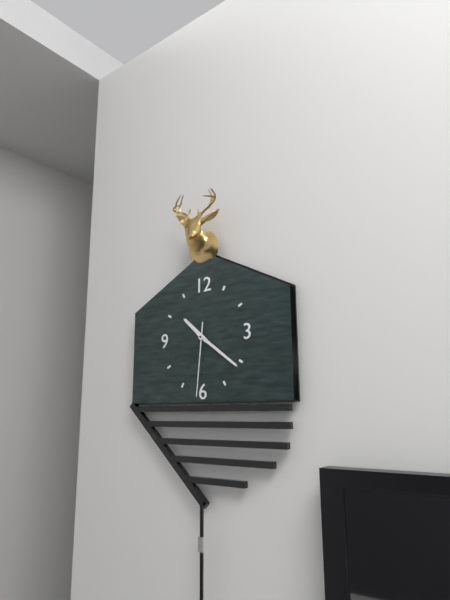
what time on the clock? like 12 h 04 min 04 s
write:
10 h 21 min 31 s
